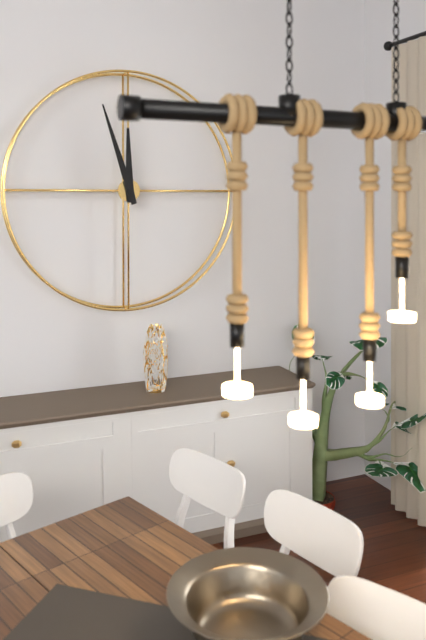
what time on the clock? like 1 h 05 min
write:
11 h 57 min
